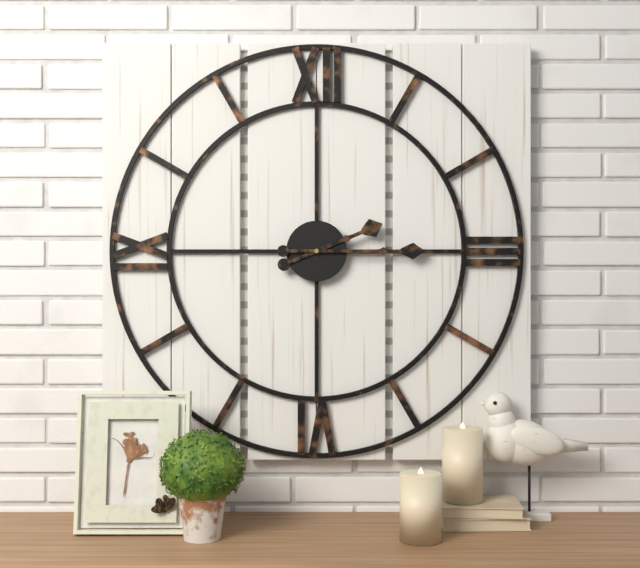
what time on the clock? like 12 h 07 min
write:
2 h 15 min
